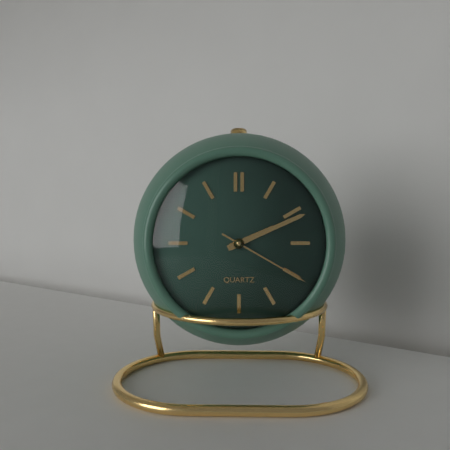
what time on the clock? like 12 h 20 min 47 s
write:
2 h 11 min 20 s
